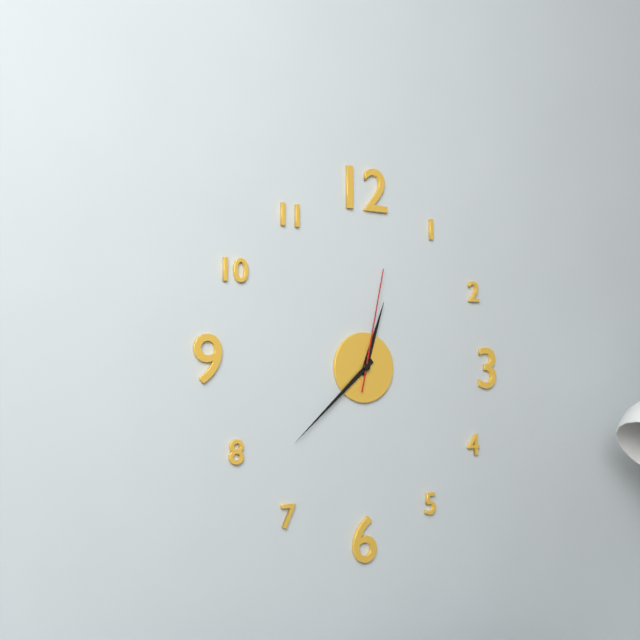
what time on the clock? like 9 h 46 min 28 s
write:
12 h 38 min 02 s
